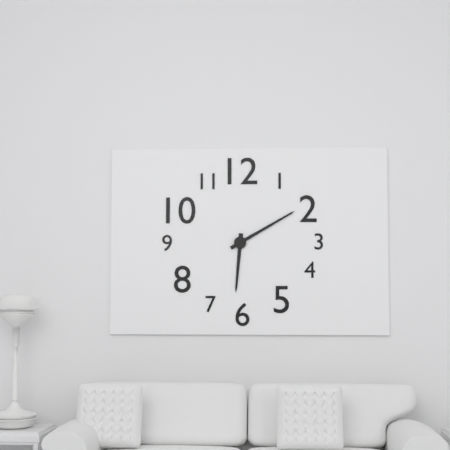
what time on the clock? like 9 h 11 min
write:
6 h 10 min
